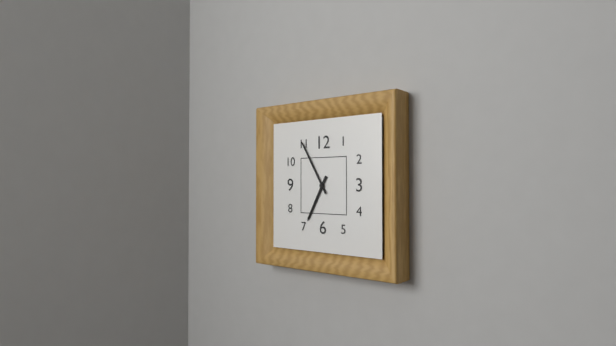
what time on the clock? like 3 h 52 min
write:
6 h 55 min
